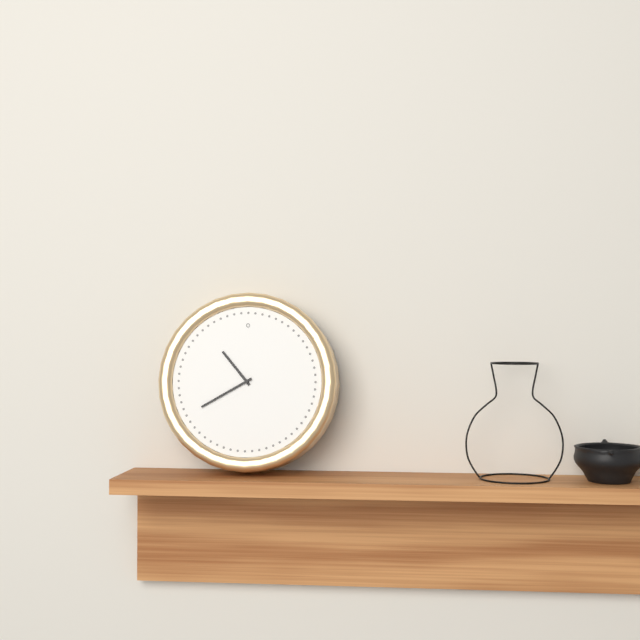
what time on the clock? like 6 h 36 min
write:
10 h 40 min
